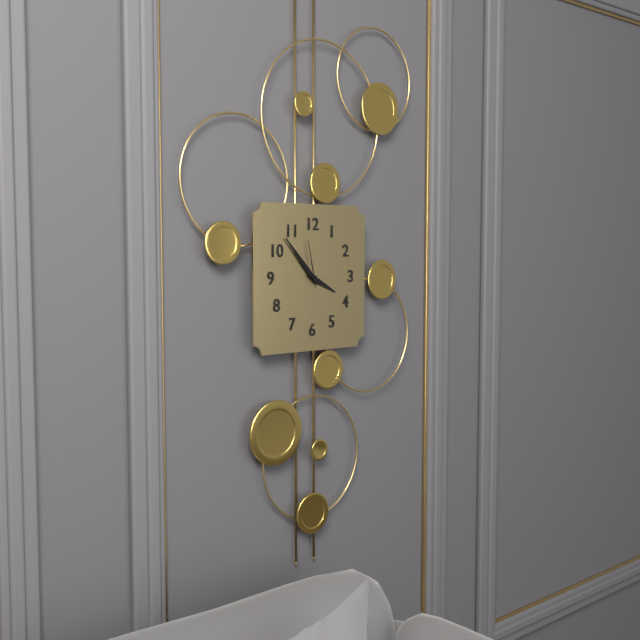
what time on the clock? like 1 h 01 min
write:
3 h 53 min
